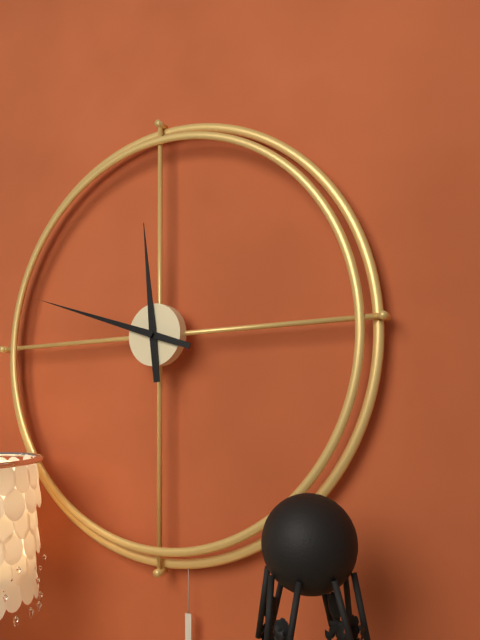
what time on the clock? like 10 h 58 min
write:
11 h 48 min
